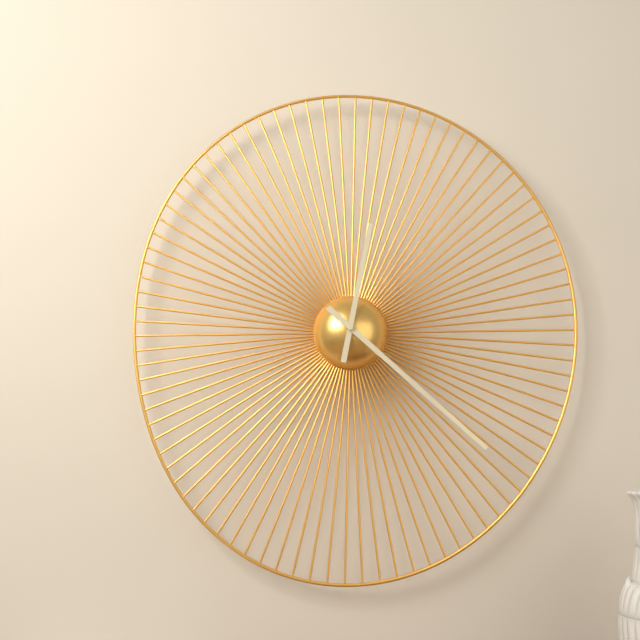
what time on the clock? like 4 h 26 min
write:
12 h 22 min
